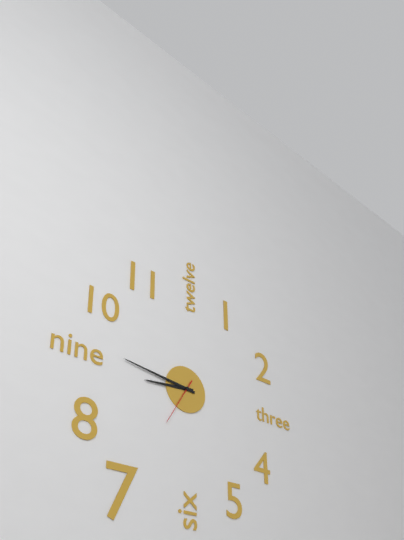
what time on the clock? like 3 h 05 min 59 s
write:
8 h 46 min 35 s
